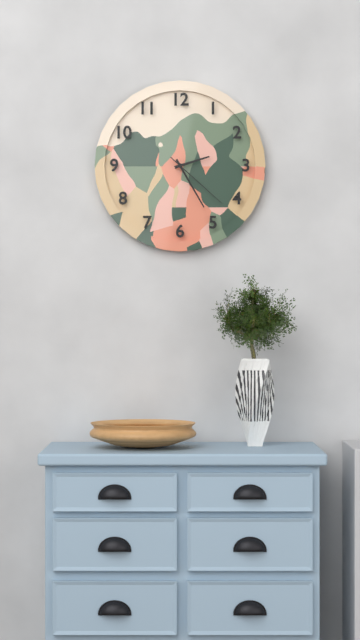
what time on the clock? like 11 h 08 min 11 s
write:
2 h 25 min 22 s
